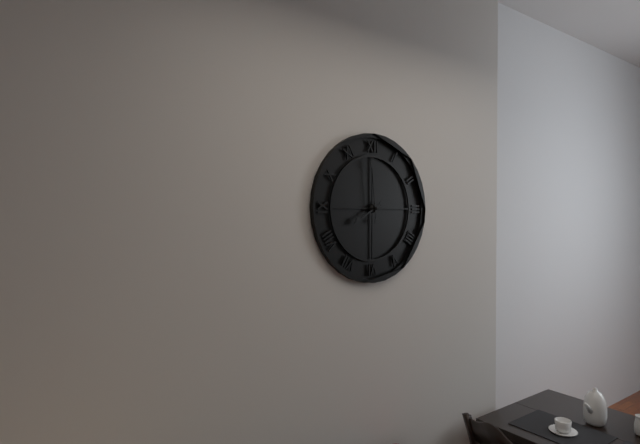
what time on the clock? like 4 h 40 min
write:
7 h 59 min
